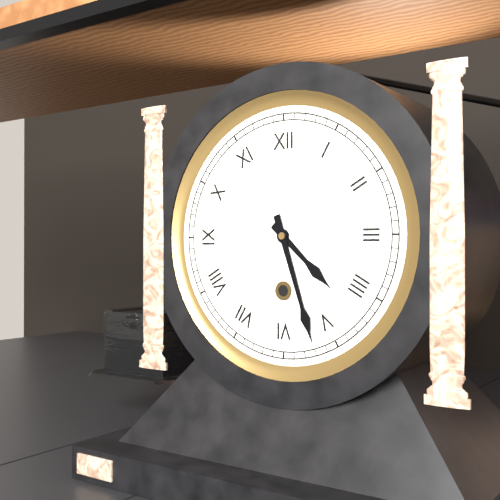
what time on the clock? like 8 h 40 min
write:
4 h 27 min
